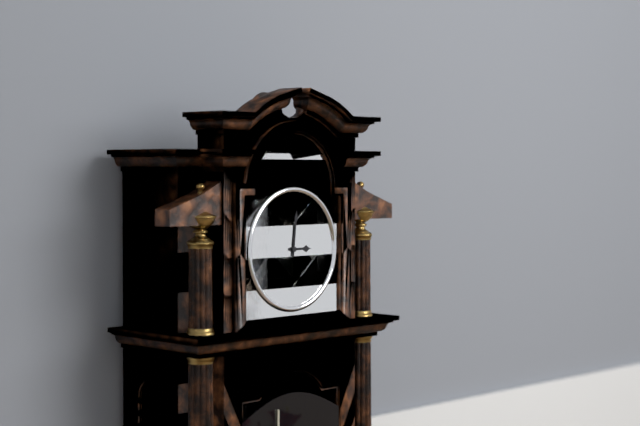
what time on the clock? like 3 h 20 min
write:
3 h 01 min
